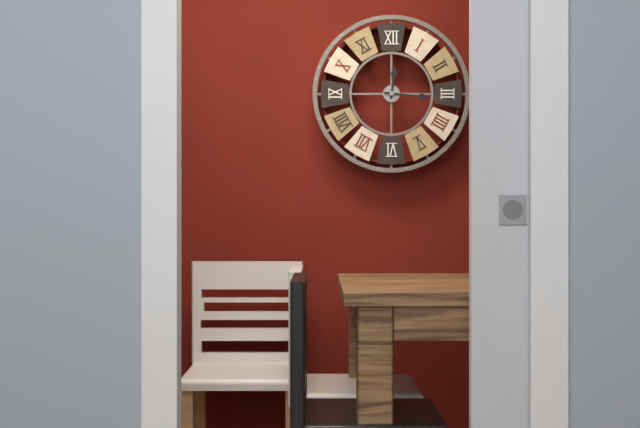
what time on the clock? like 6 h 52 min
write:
12 h 16 min
